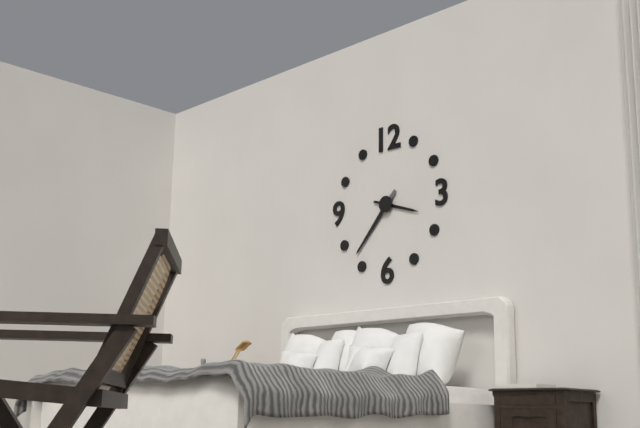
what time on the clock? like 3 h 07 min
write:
3 h 37 min
